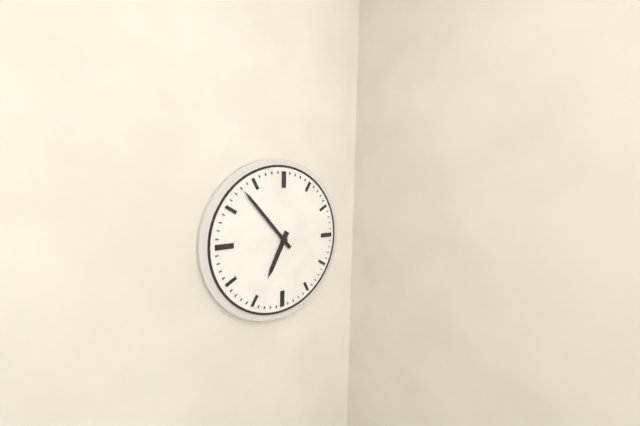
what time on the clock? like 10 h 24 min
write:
6 h 53 min
